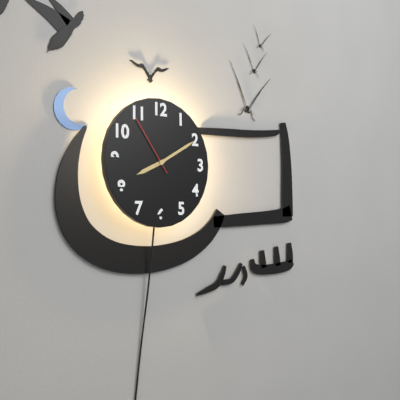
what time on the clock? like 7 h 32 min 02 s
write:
8 h 10 min 54 s
